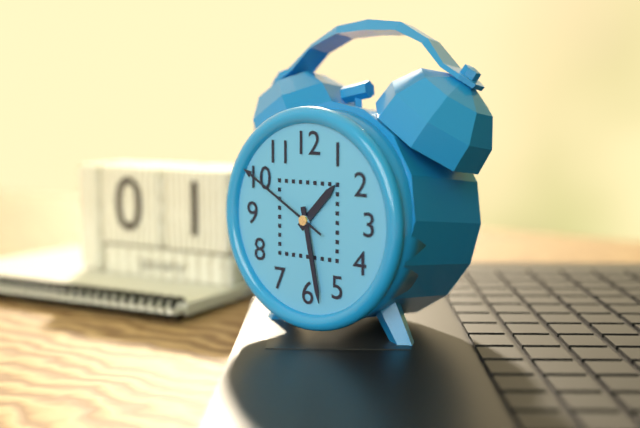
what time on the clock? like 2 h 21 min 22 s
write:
1 h 28 min 50 s
